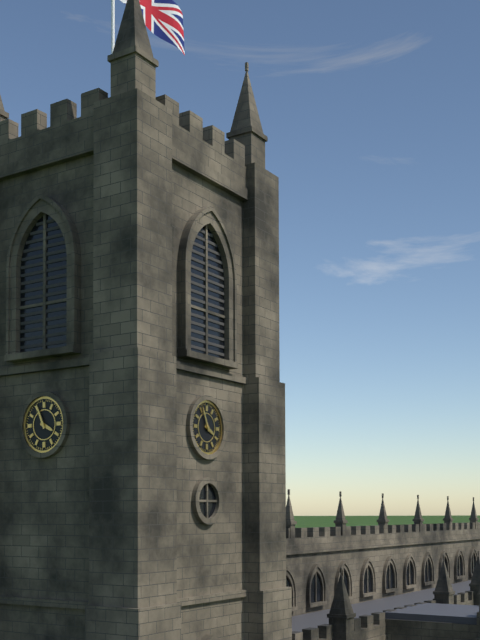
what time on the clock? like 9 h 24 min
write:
3 h 56 min
